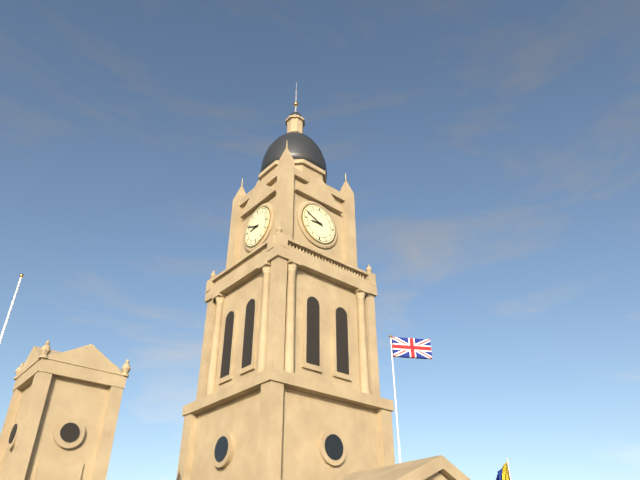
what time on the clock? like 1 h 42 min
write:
8 h 49 min
